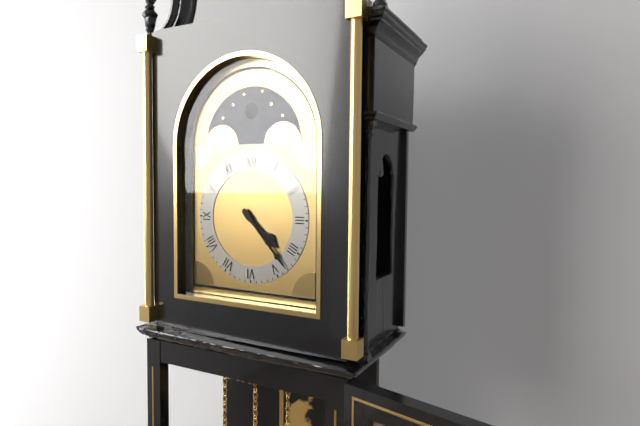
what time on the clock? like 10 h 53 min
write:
4 h 23 min
